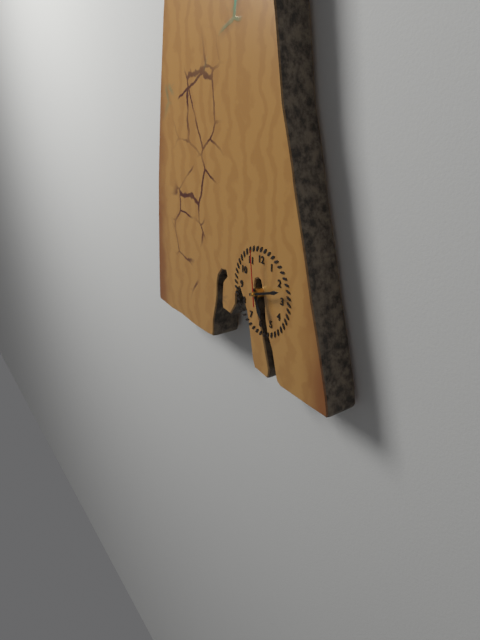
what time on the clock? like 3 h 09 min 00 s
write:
5 h 12 min 59 s
